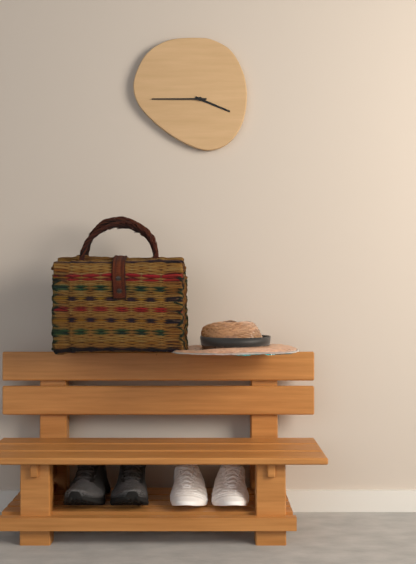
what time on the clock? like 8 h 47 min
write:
3 h 45 min
